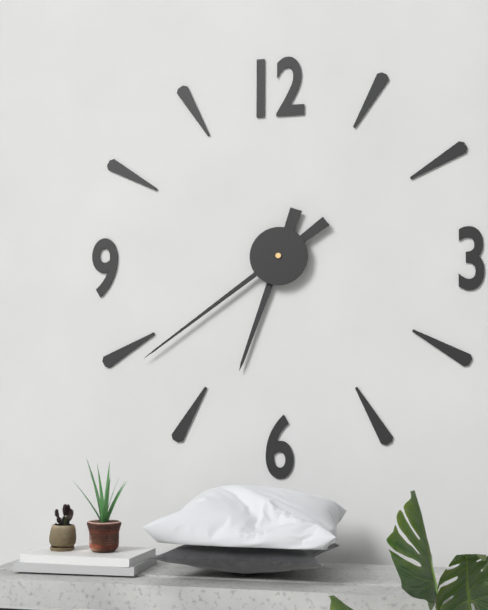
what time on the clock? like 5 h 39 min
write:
6 h 39 min
